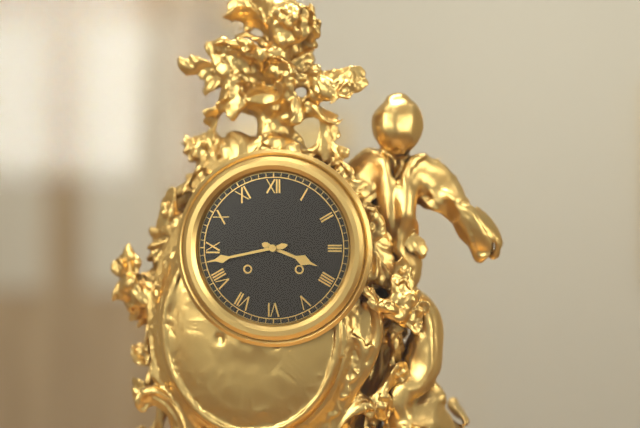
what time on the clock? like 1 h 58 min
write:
3 h 43 min
